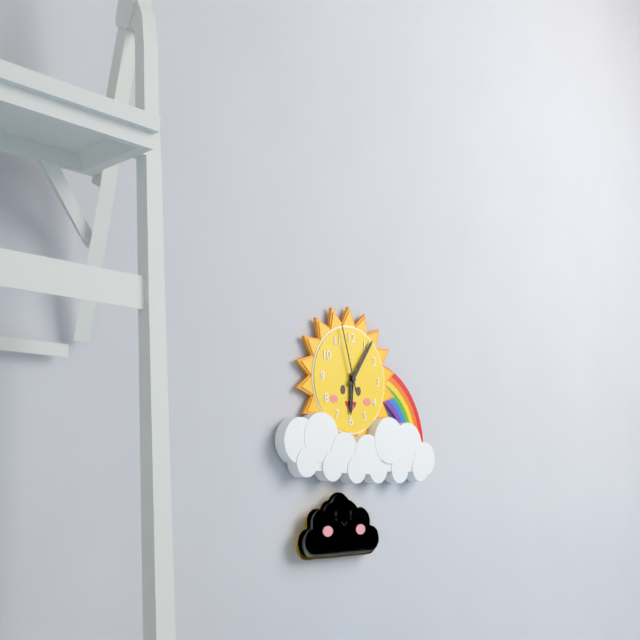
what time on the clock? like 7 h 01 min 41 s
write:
6 h 06 min 57 s
